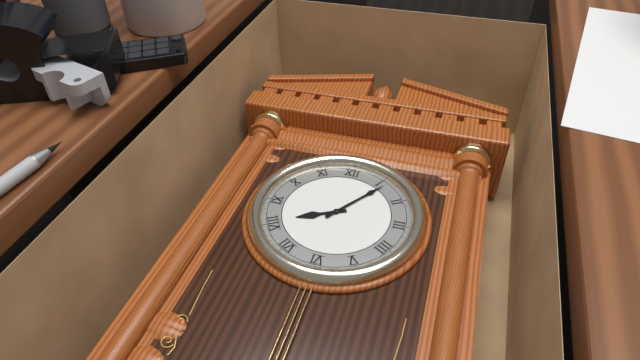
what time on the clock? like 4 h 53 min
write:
8 h 06 min
